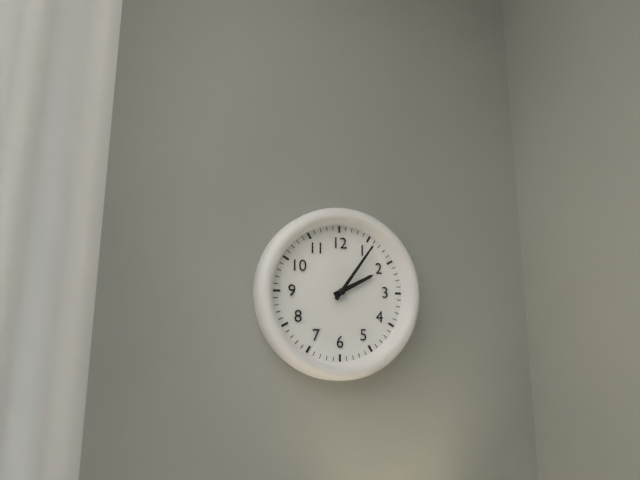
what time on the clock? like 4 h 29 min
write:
2 h 06 min
